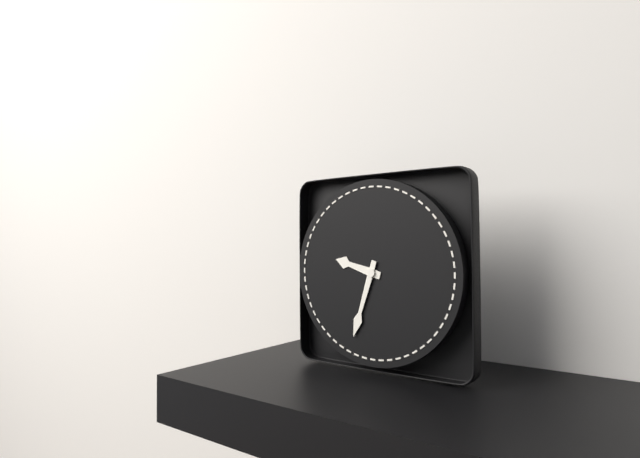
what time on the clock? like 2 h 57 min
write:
9 h 33 min
